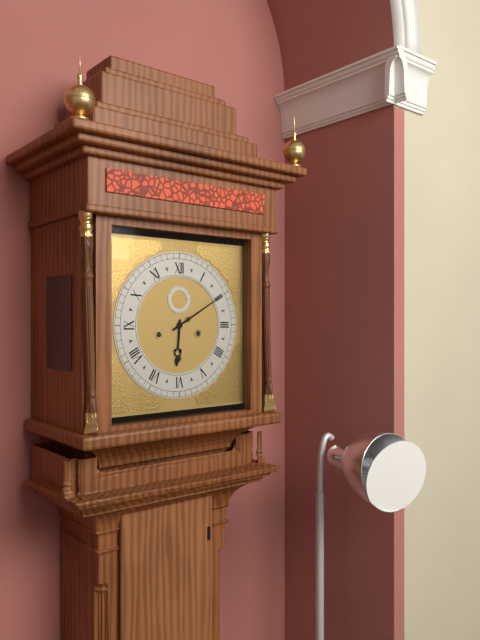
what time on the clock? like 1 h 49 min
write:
6 h 10 min
